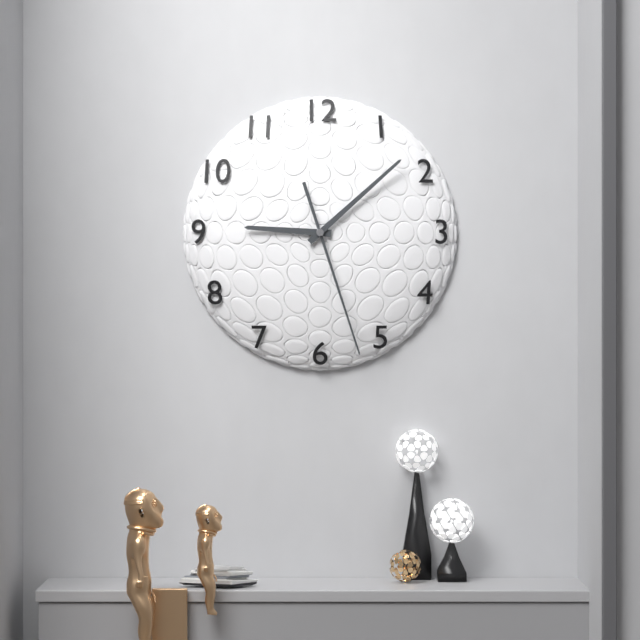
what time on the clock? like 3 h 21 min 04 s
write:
9 h 08 min 27 s
